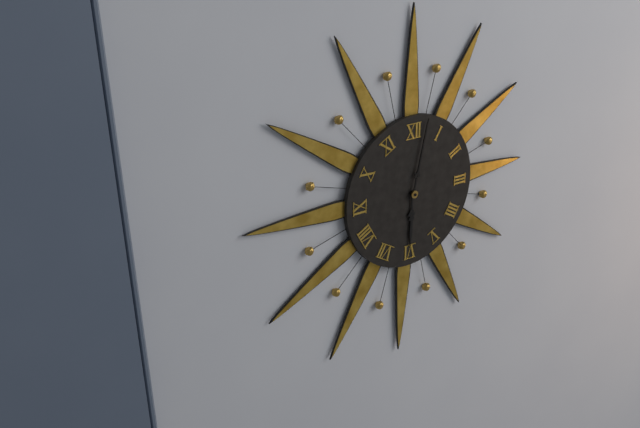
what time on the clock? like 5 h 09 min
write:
6 h 02 min
